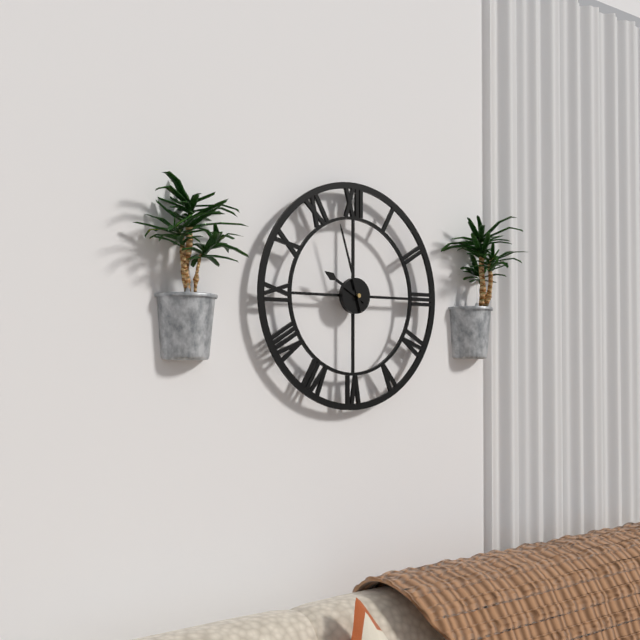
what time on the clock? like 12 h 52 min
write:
9 h 57 min
